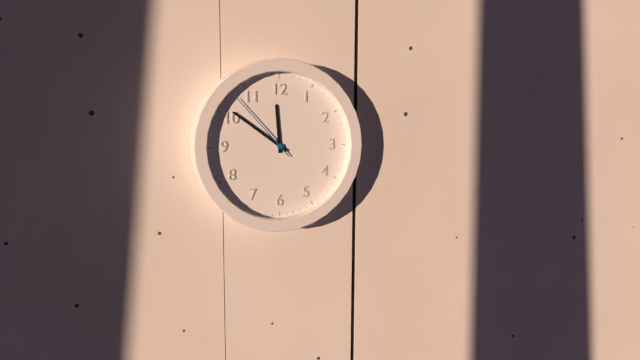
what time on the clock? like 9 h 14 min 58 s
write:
11 h 51 min 53 s
